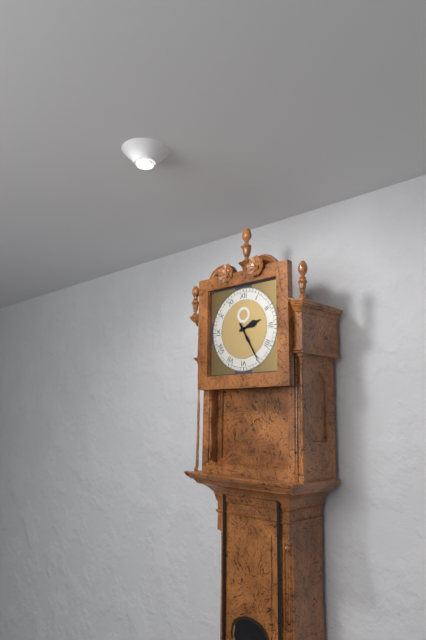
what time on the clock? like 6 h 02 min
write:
2 h 25 min
